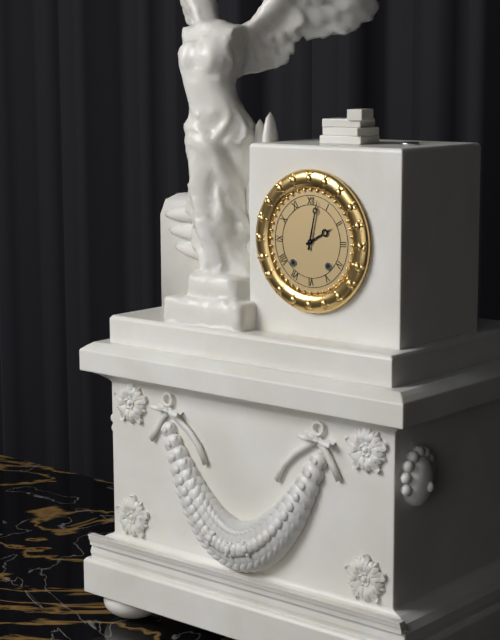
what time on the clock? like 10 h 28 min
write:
2 h 02 min
